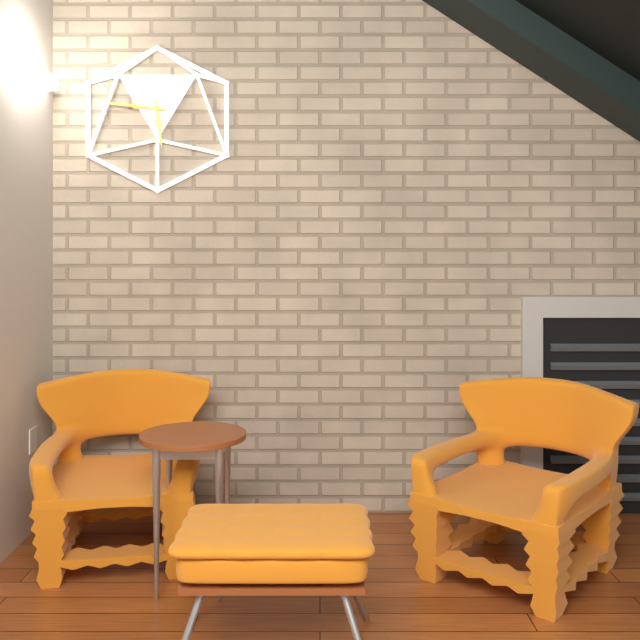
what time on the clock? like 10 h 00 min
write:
5 h 46 min
